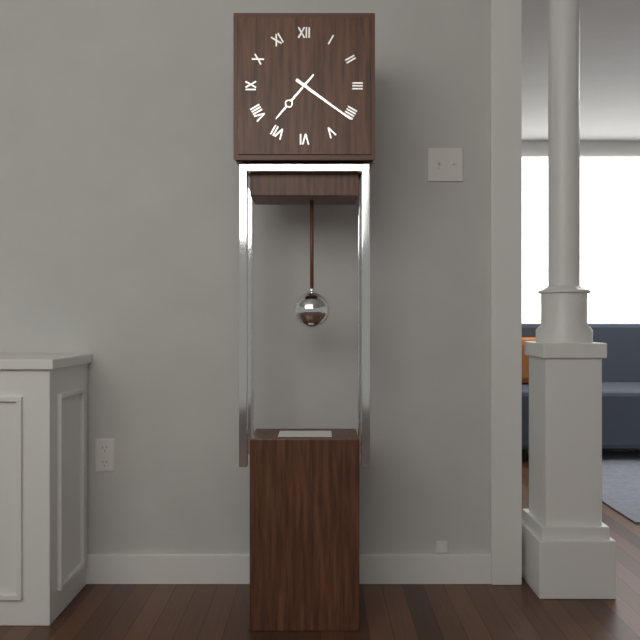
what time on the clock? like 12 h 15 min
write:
7 h 21 min
